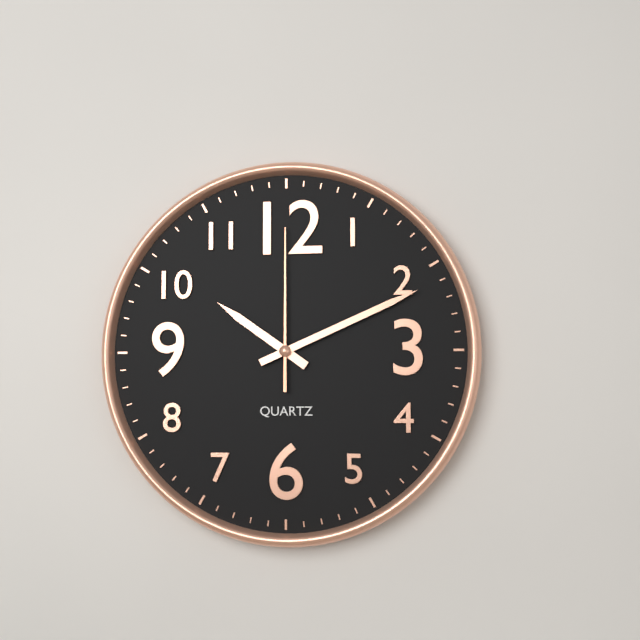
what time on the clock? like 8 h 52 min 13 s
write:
10 h 11 min 00 s
